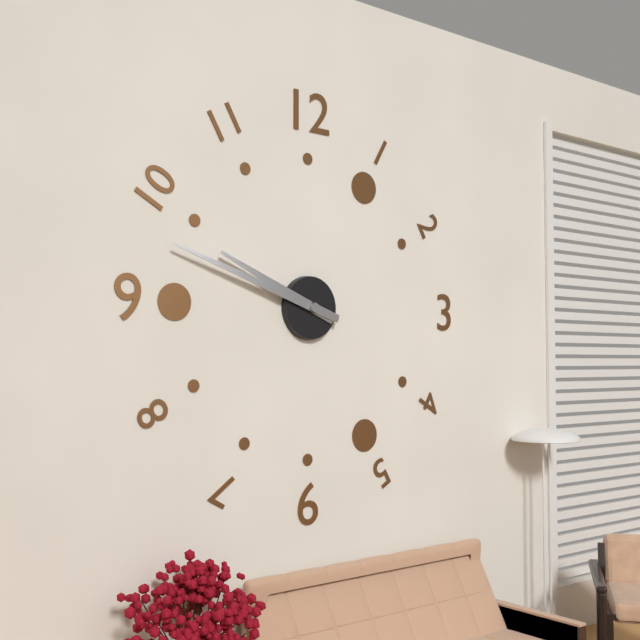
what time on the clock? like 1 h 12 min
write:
9 h 48 min
